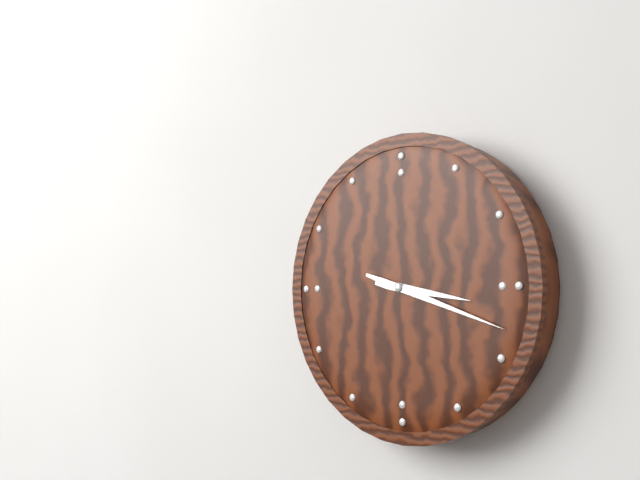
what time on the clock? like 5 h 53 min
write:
3 h 18 min
